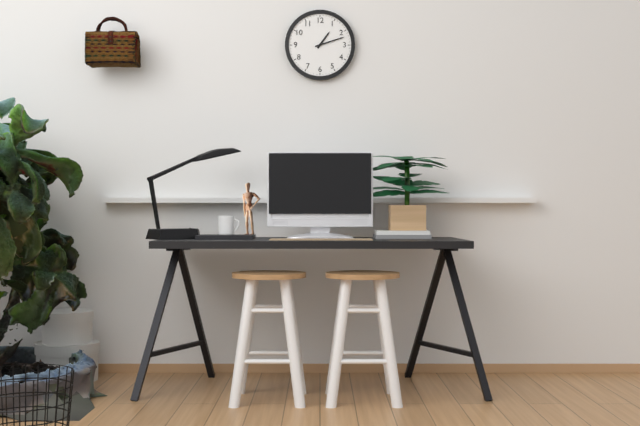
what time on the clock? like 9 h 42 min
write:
1 h 12 min
